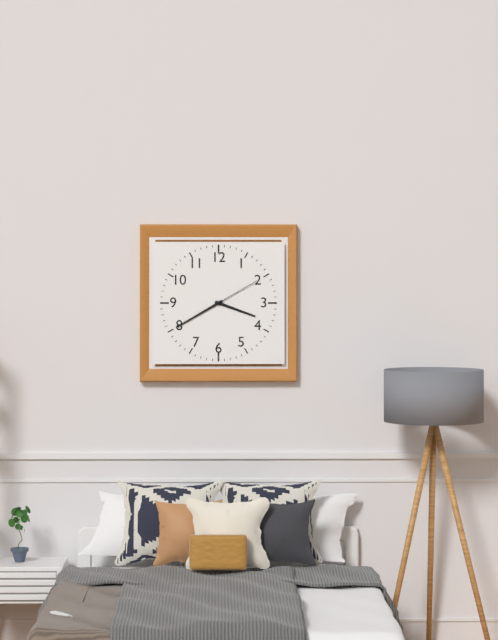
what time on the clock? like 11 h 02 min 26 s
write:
3 h 40 min 10 s
